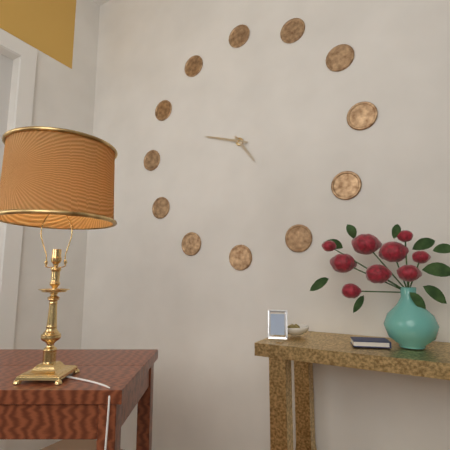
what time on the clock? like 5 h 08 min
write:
4 h 48 min
